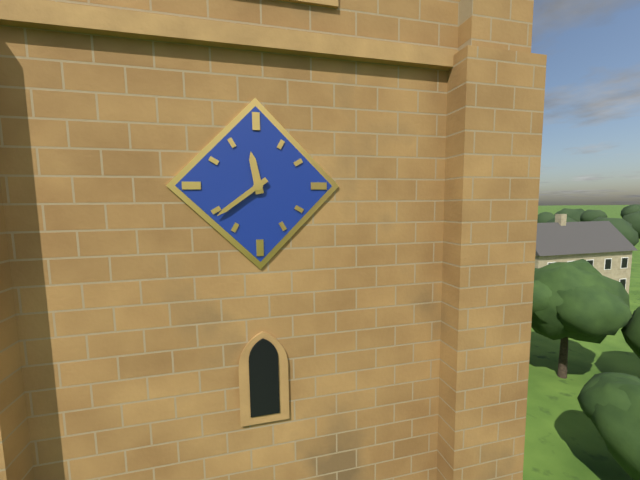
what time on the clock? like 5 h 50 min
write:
11 h 39 min
